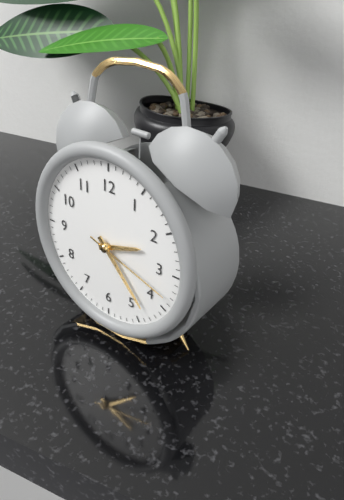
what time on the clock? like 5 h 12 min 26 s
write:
2 h 23 min 18 s
